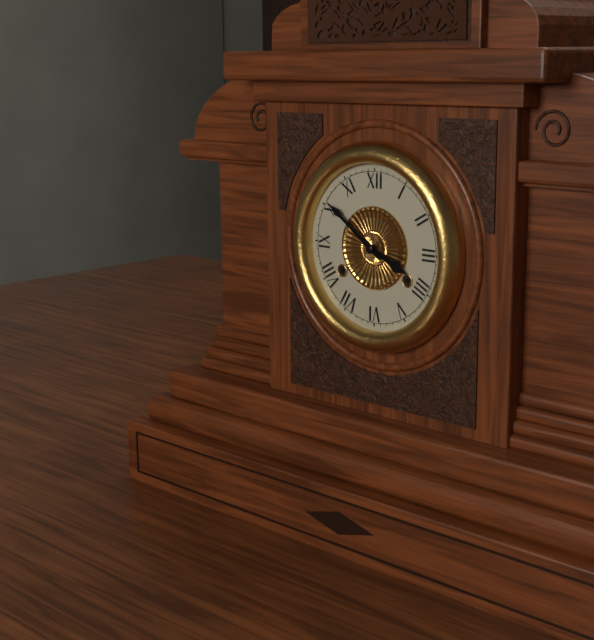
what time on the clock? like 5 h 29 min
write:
3 h 51 min
